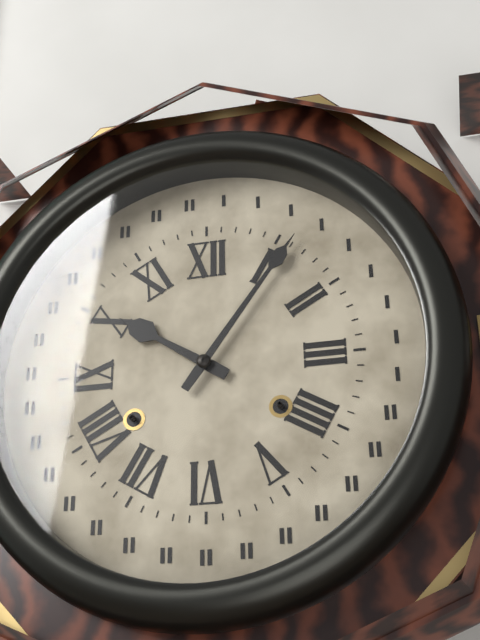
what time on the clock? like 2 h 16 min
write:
10 h 06 min
